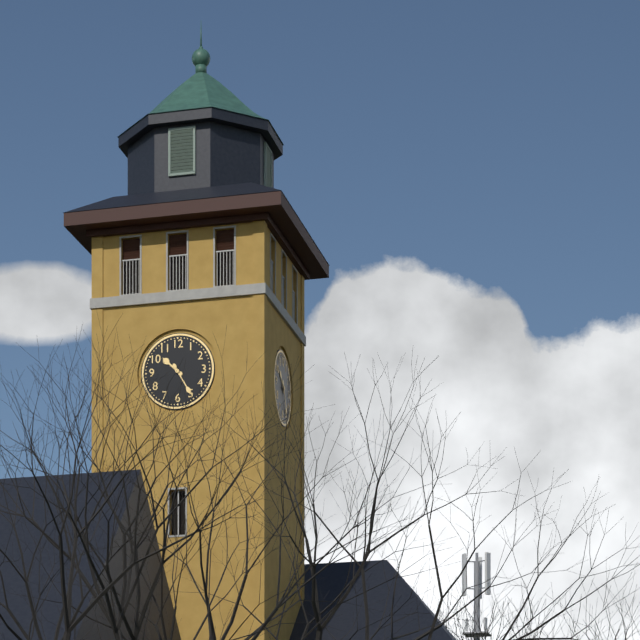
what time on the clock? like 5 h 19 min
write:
10 h 25 min
